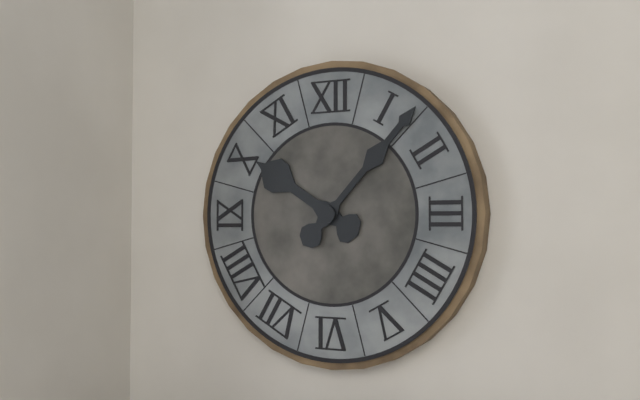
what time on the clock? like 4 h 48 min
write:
10 h 07 min
